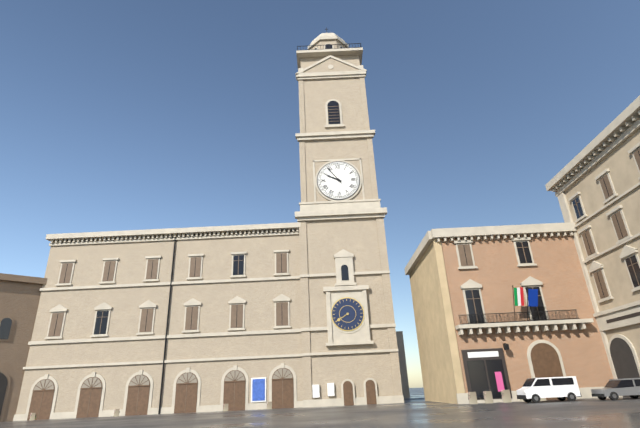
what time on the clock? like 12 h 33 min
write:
9 h 54 min
